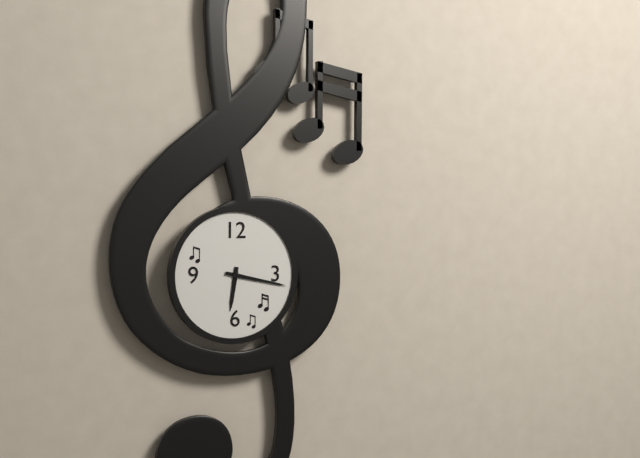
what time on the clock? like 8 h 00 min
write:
6 h 17 min
